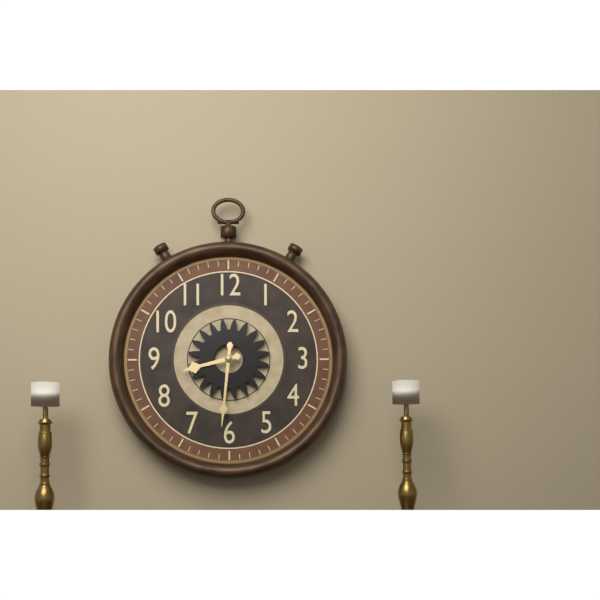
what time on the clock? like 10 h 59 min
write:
8 h 31 min
